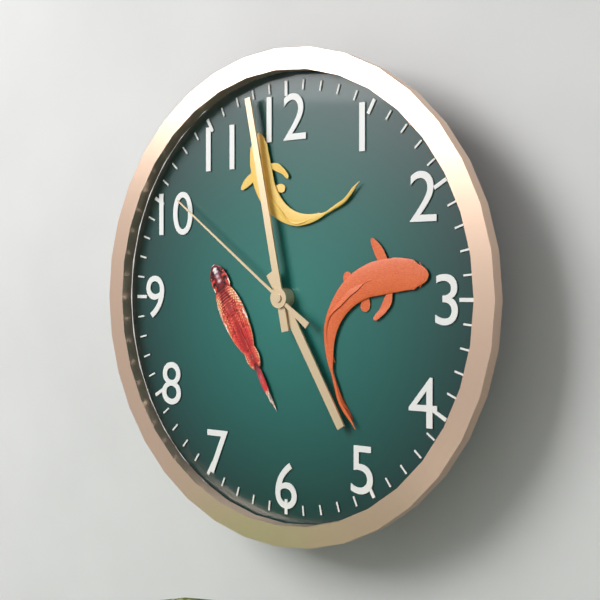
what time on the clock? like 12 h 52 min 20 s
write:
4 h 58 min 51 s
